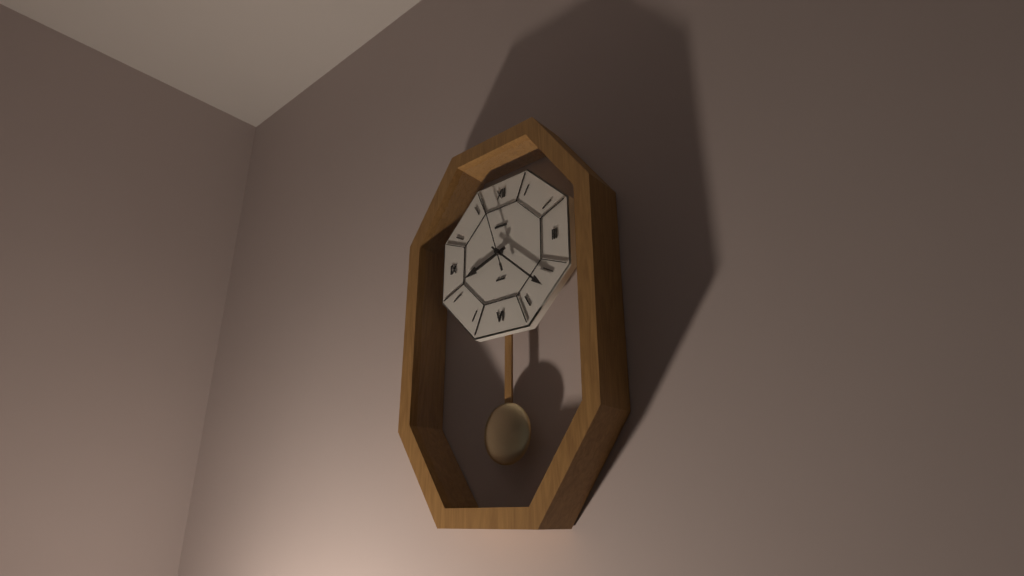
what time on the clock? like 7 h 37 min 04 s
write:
8 h 22 min 57 s
